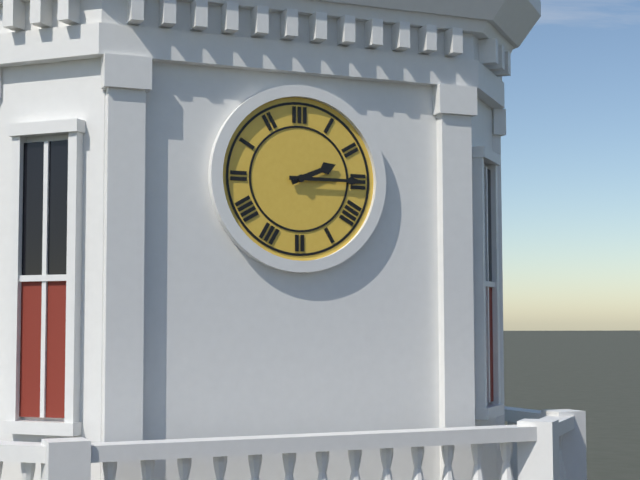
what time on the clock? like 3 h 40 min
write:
2 h 15 min
